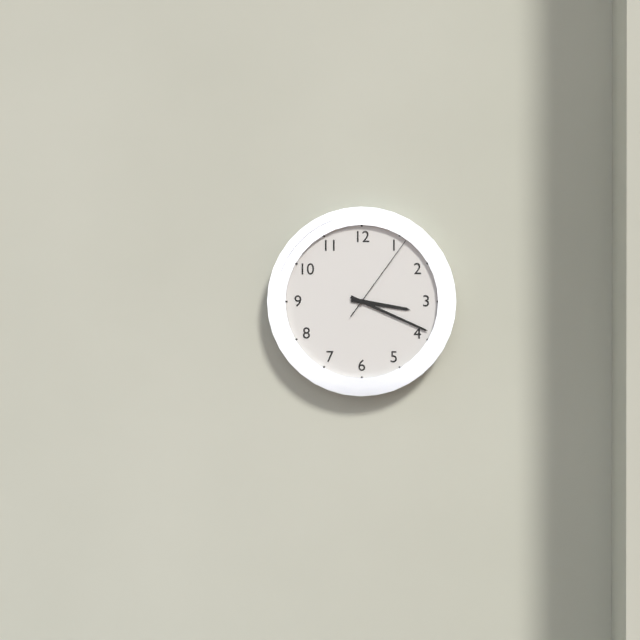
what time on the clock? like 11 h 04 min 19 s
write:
3 h 19 min 06 s
